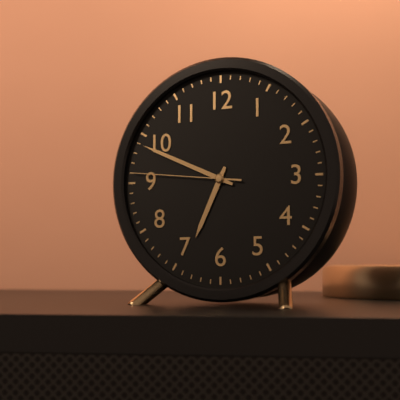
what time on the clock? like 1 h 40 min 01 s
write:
6 h 49 min 46 s
